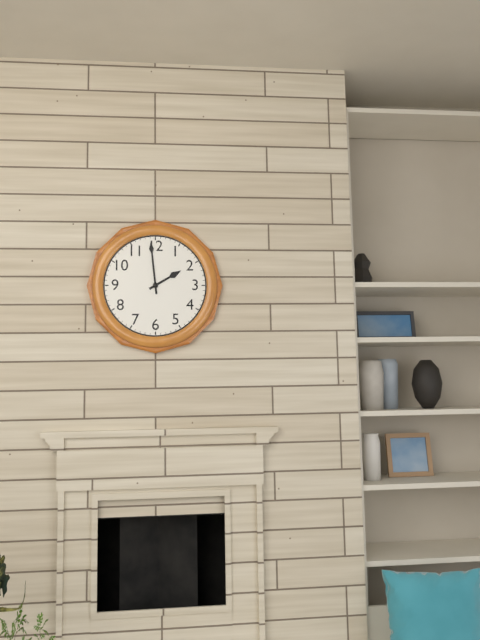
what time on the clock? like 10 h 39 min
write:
1 h 59 min
